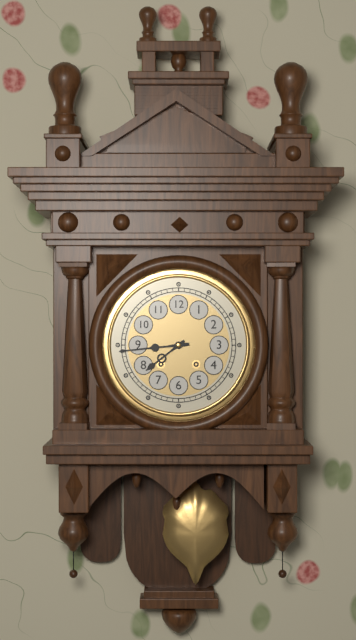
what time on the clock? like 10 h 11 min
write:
7 h 44 min
